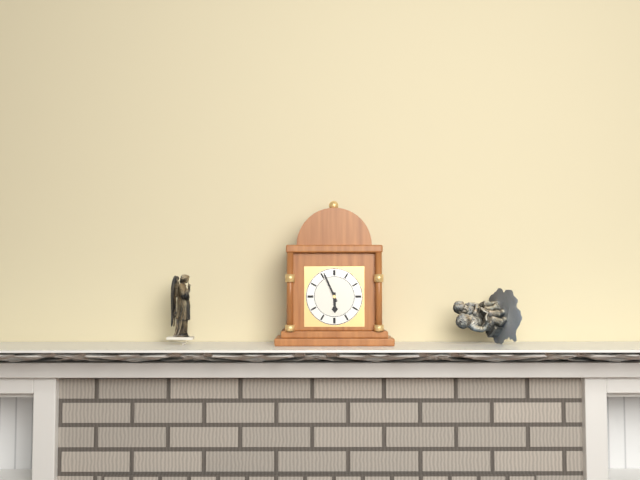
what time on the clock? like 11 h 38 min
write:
5 h 56 min
